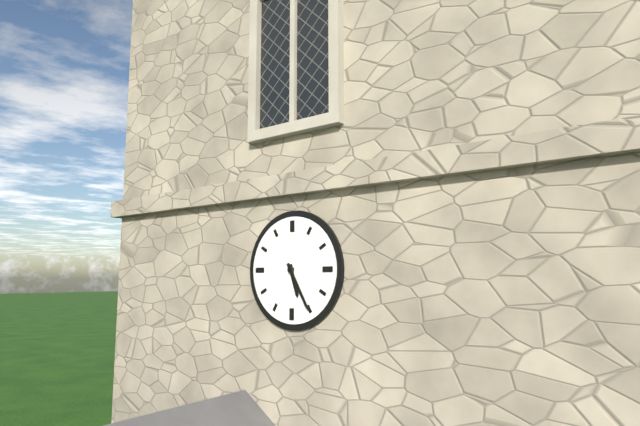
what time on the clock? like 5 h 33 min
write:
5 h 25 min
